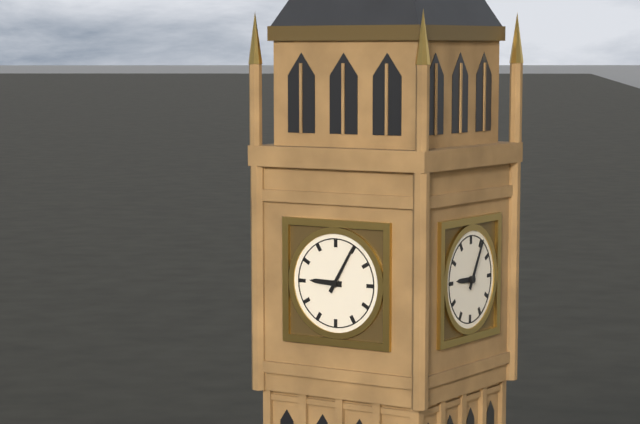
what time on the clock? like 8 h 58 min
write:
9 h 05 min
